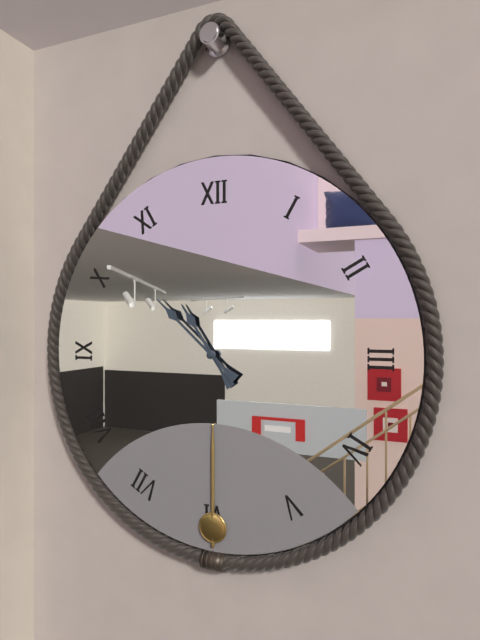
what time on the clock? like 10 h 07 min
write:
10 h 52 min
